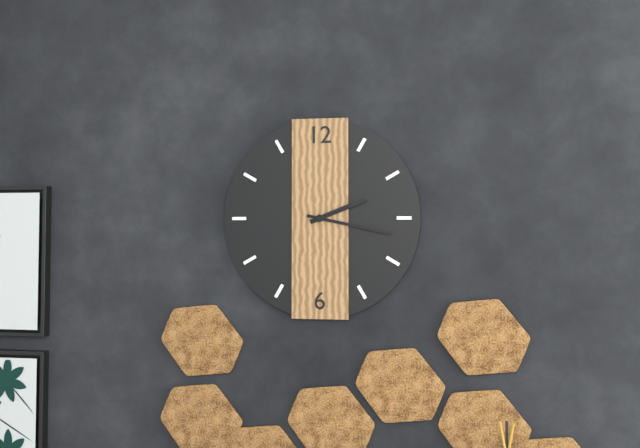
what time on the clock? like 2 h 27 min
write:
2 h 17 min
